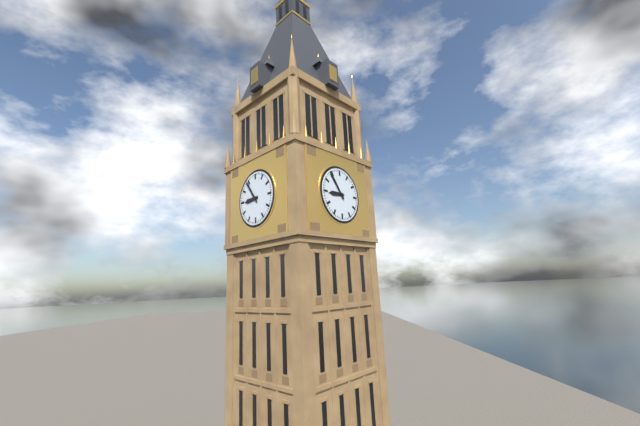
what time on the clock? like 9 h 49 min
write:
8 h 54 min
